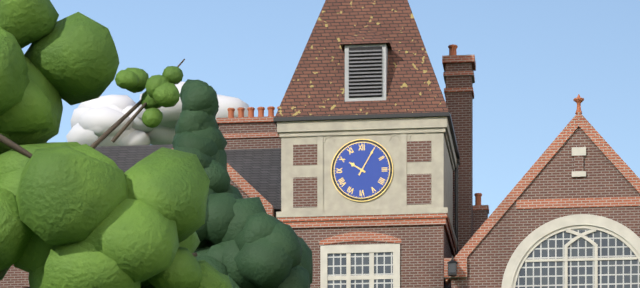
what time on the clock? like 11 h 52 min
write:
10 h 05 min
